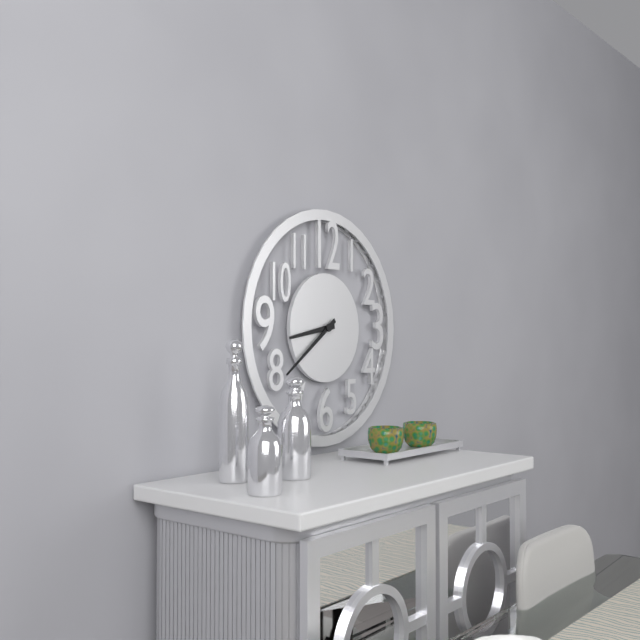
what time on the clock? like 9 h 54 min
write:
8 h 39 min
